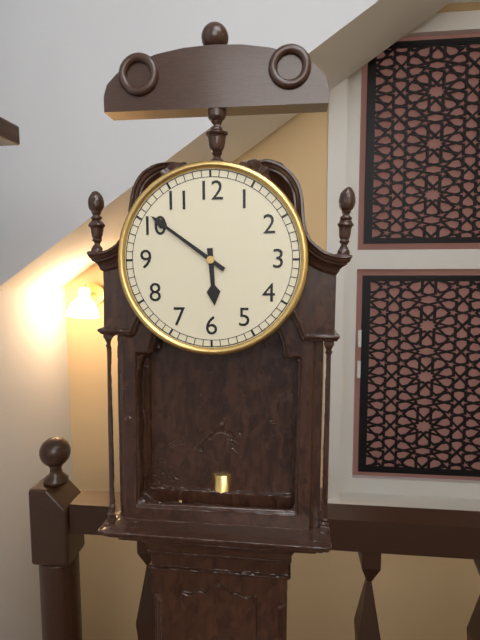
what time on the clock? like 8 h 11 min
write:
5 h 51 min
